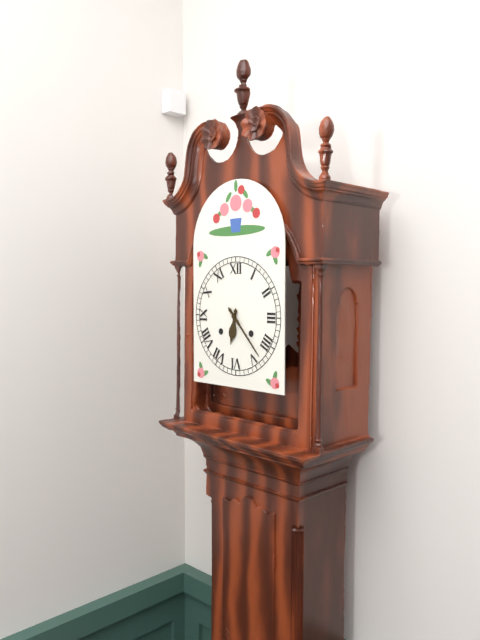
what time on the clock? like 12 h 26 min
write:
6 h 23 min
